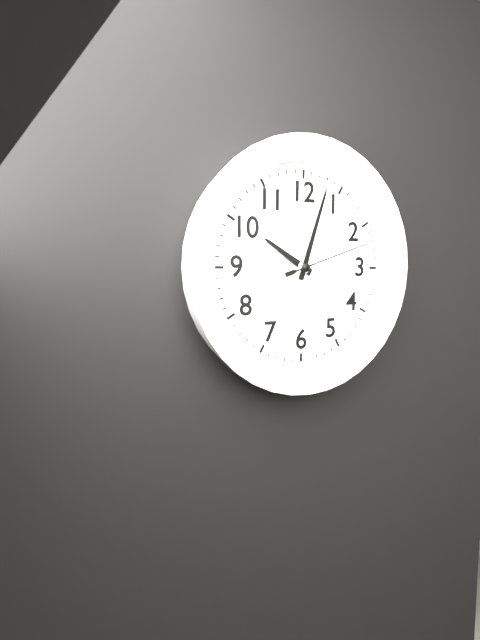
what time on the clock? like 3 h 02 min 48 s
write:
10 h 03 min 12 s
